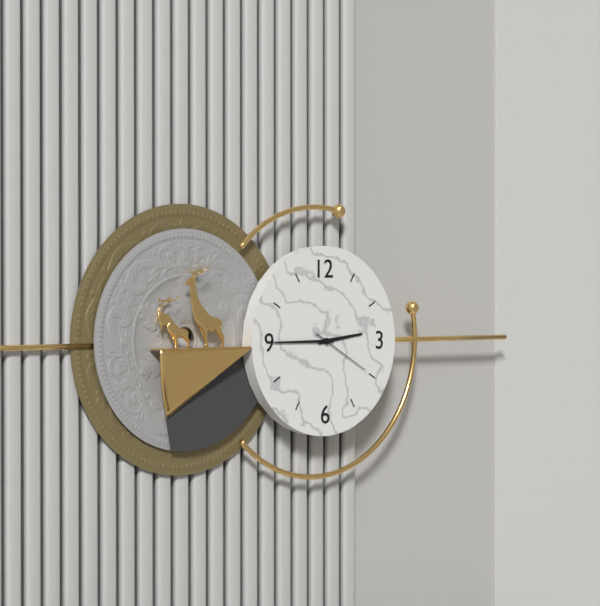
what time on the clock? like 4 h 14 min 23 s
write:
2 h 45 min 20 s
